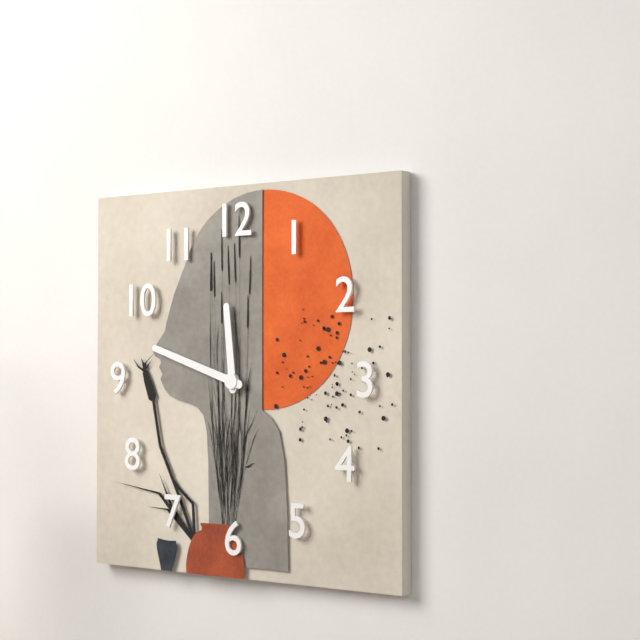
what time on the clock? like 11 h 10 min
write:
11 h 48 min
